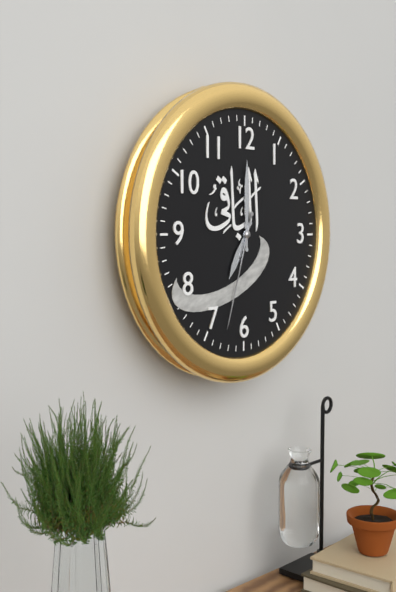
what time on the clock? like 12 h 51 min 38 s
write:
7 h 00 min 33 s
